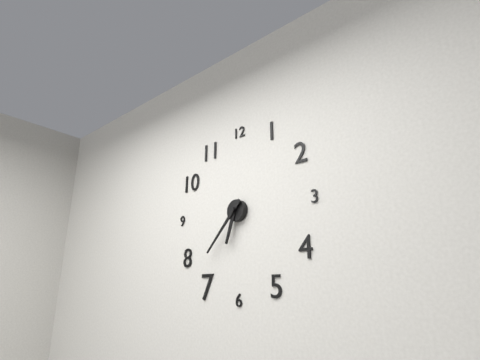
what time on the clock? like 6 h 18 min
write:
6 h 37 min
